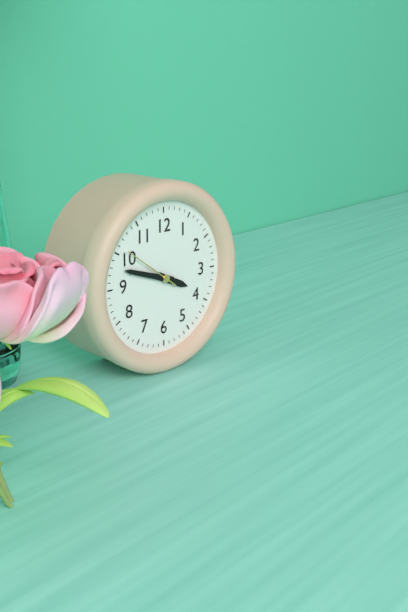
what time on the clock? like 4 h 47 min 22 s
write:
3 h 48 min 51 s
